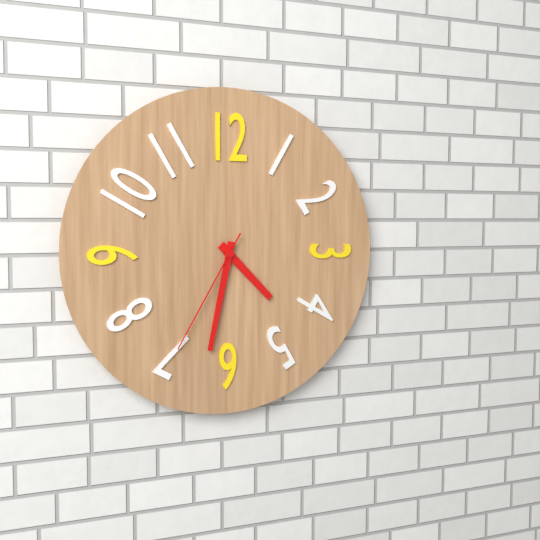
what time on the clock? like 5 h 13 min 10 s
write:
4 h 32 min 35 s
